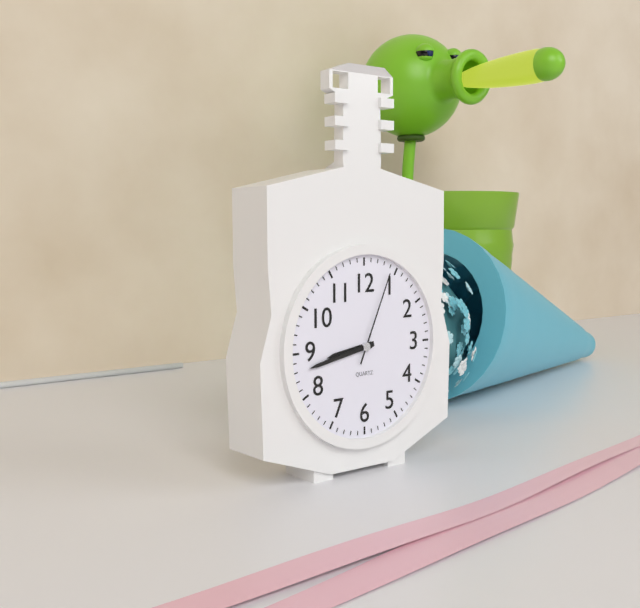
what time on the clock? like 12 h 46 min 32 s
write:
8 h 43 min 04 s
